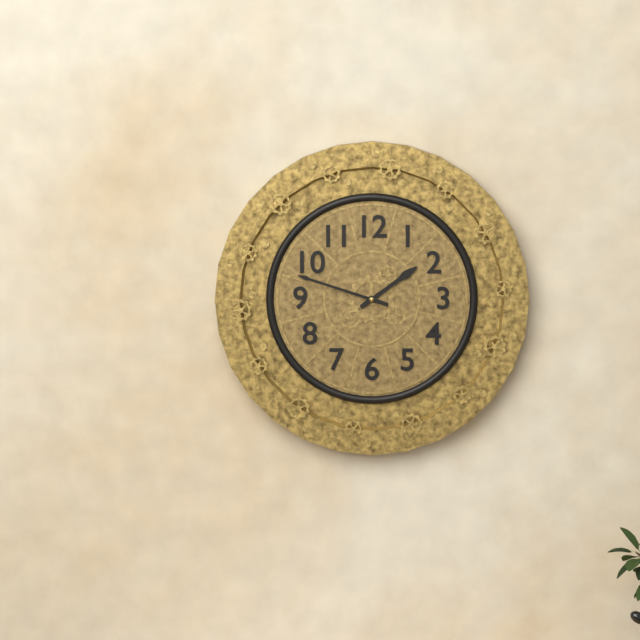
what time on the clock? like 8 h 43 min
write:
1 h 48 min
